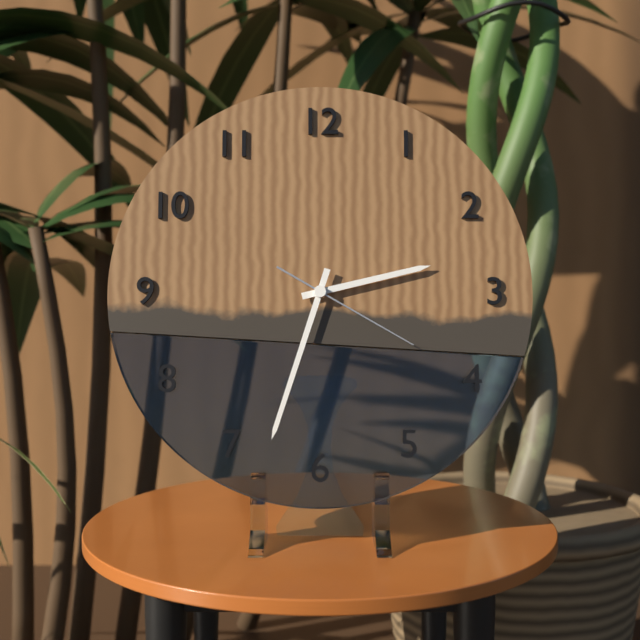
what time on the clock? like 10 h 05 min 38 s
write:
2 h 33 min 20 s
